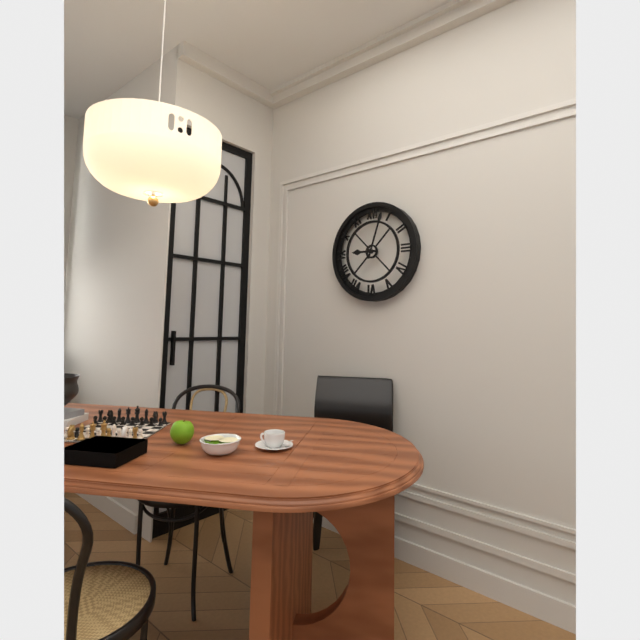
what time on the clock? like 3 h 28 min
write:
9 h 03 min
